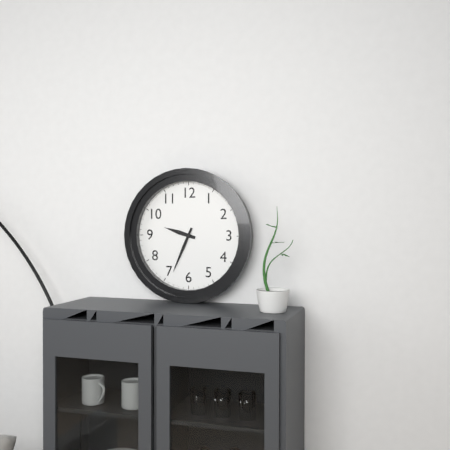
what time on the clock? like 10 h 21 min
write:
9 h 34 min
